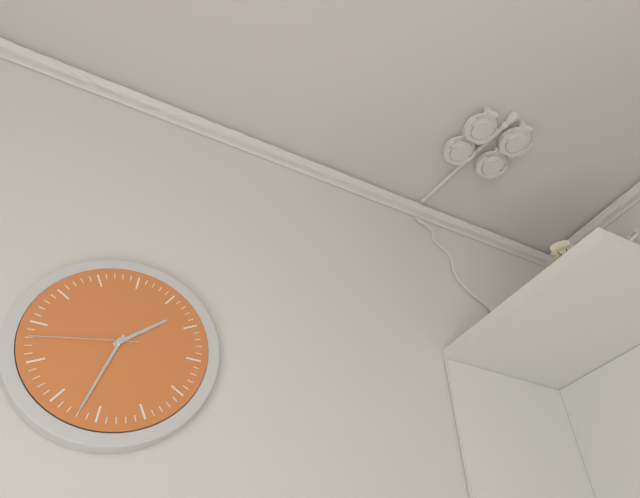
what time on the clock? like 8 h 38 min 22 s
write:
1 h 32 min 43 s
